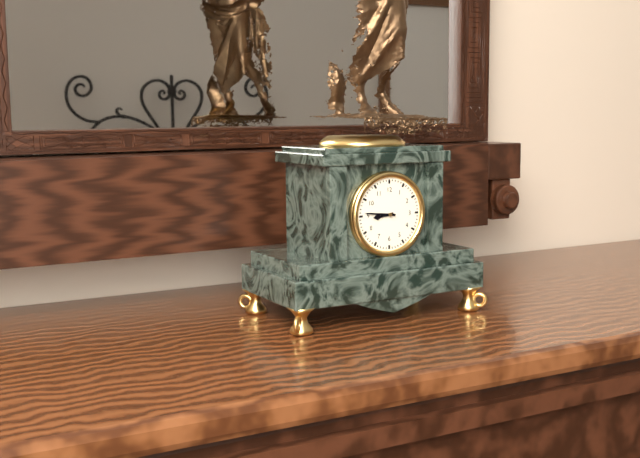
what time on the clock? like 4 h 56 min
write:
8 h 46 min
